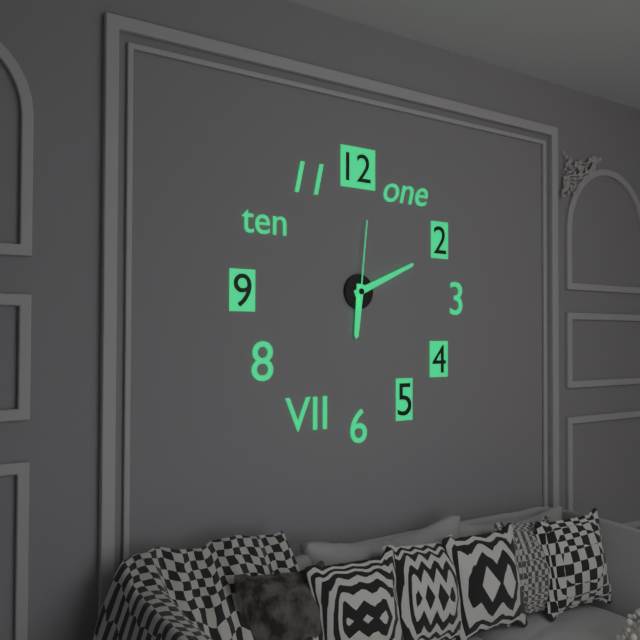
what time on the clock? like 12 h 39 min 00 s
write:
6 h 11 min 01 s
